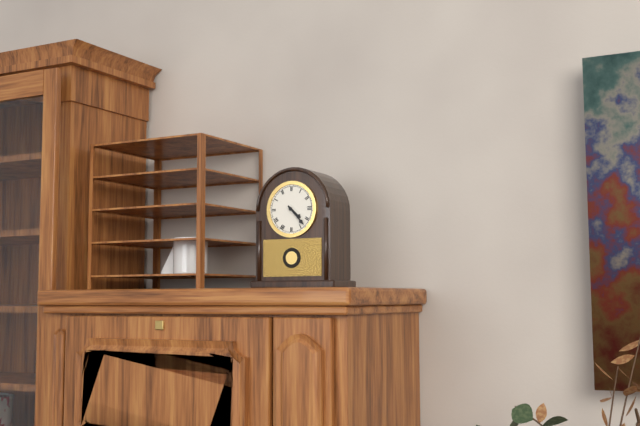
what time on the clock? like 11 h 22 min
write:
4 h 23 min
